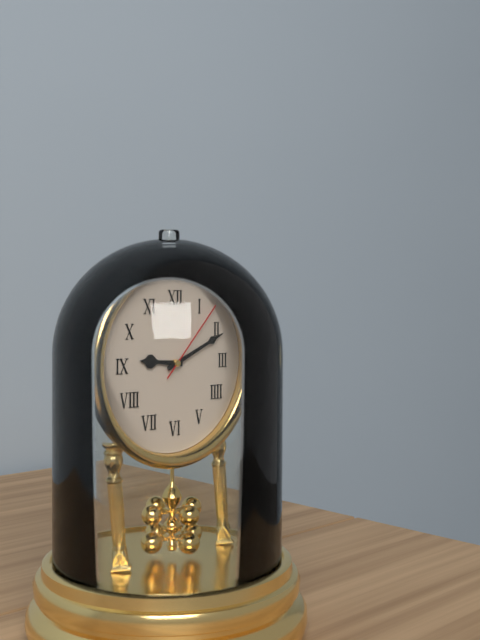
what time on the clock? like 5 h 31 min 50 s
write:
9 h 11 min 07 s
